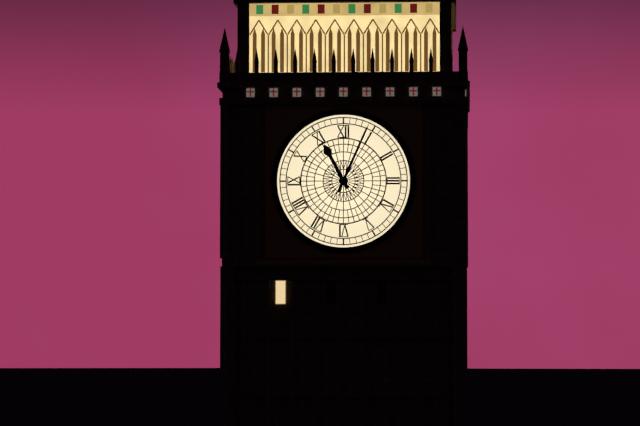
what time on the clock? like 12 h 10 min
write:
11 h 04 min
